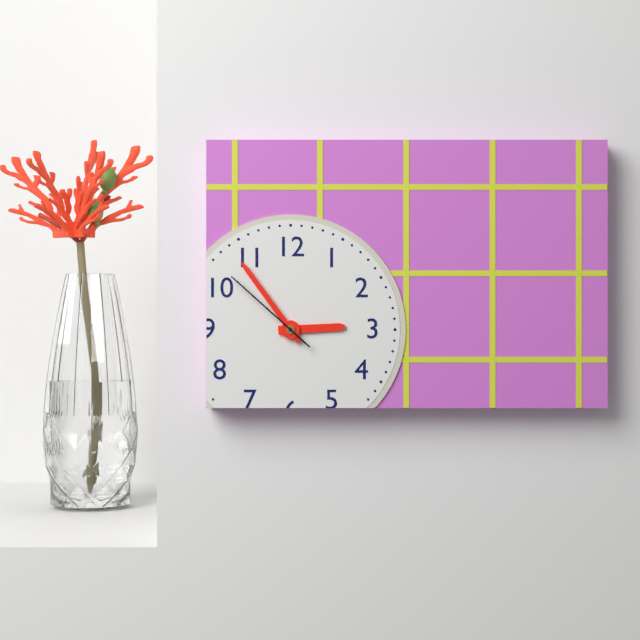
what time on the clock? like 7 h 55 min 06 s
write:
2 h 54 min 52 s
